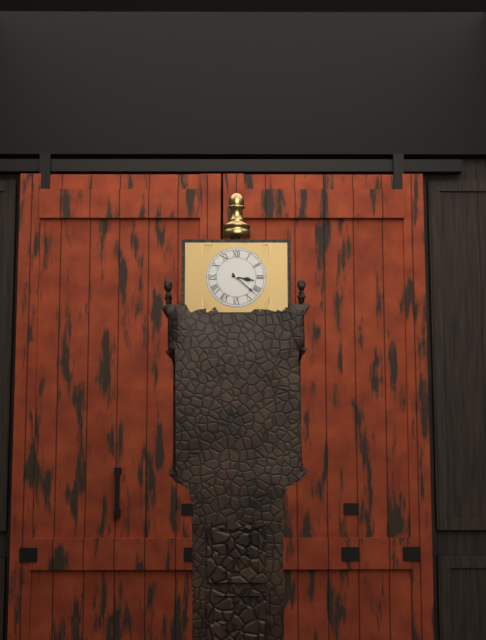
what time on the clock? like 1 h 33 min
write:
3 h 22 min
